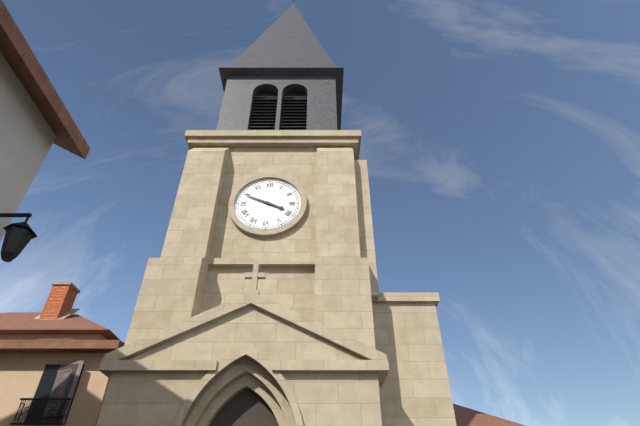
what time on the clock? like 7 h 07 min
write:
3 h 49 min
